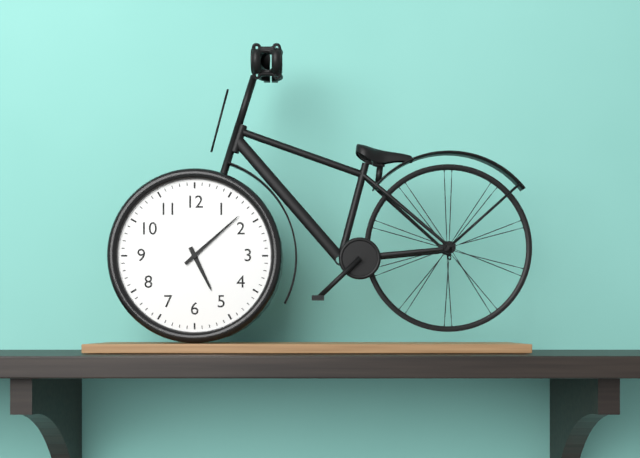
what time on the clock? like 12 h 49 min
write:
5 h 08 min
